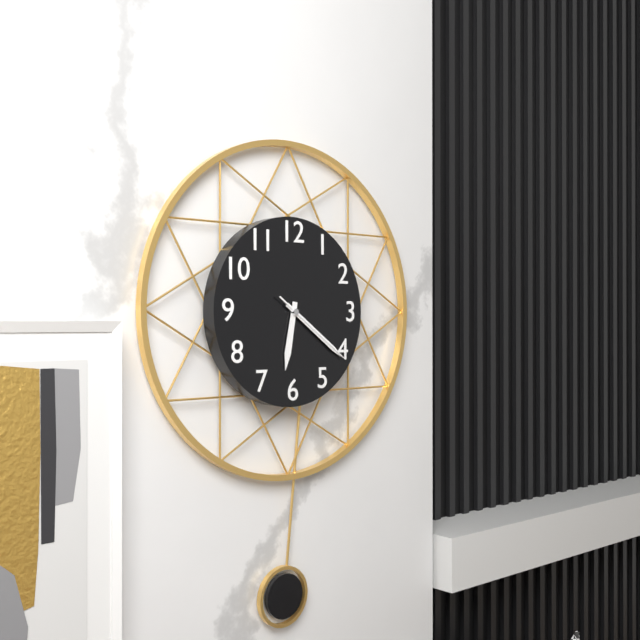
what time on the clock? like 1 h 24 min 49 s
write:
6 h 21 min 21 s
